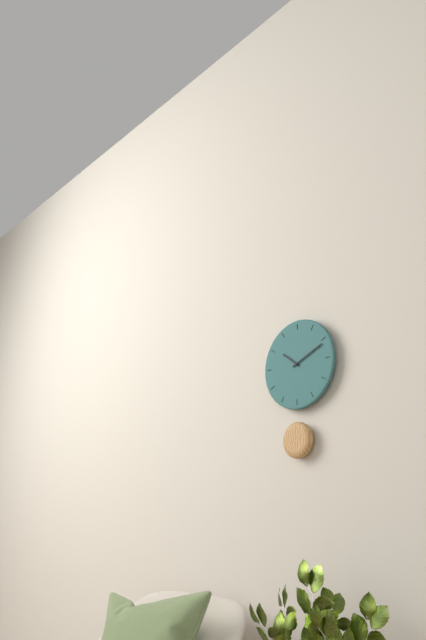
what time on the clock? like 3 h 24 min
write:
10 h 11 min
